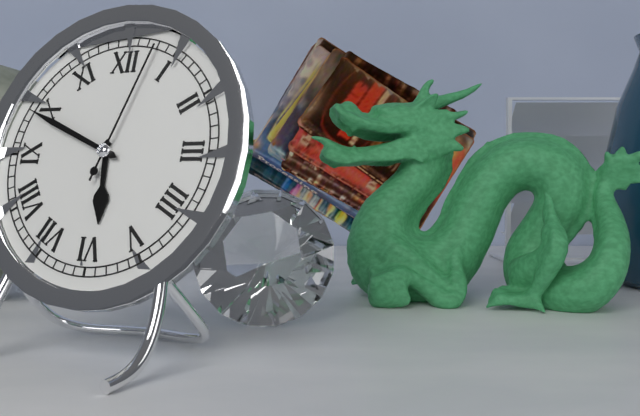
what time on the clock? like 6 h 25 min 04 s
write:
5 h 49 min 03 s
